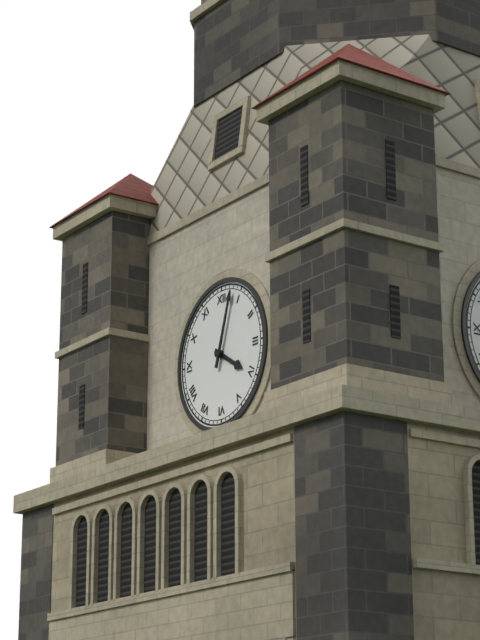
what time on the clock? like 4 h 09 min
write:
4 h 03 min
